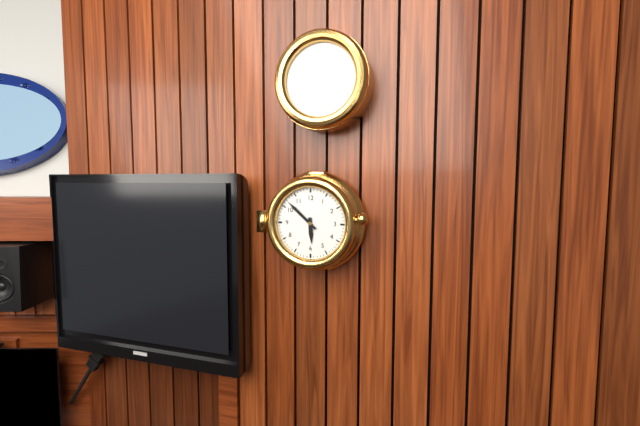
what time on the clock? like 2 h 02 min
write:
5 h 52 min
